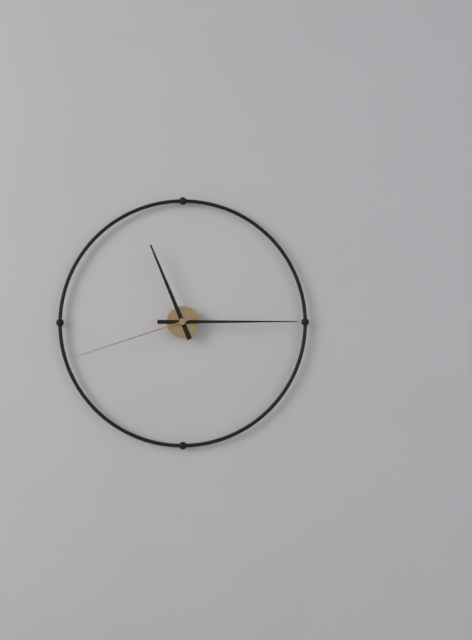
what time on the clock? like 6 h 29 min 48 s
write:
11 h 15 min 42 s
